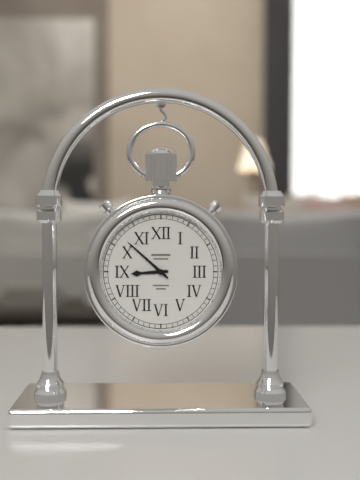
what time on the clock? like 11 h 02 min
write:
8 h 52 min
